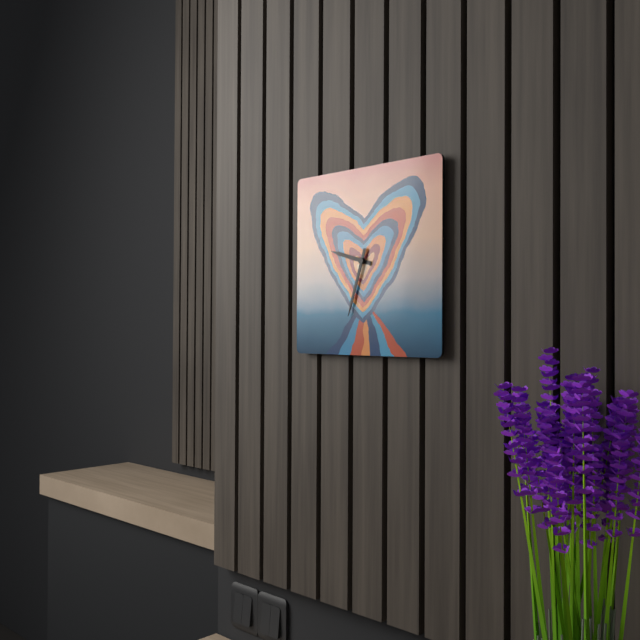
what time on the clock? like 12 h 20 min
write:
9 h 33 min
